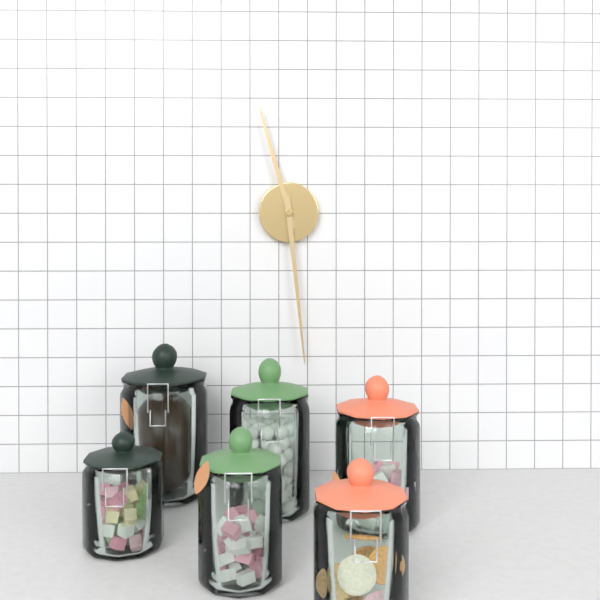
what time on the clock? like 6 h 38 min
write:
11 h 29 min
